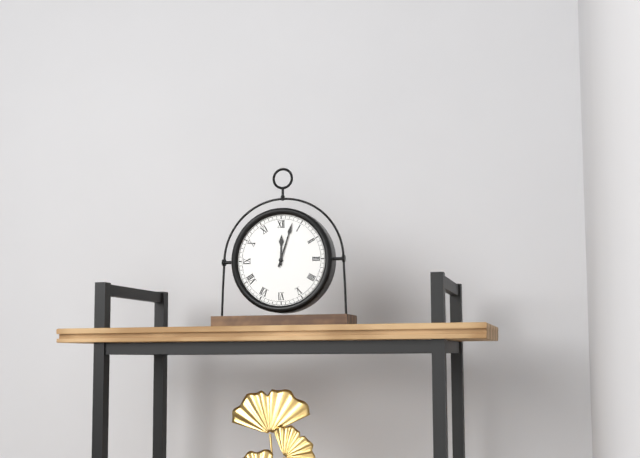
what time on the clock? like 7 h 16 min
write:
12 h 03 min
